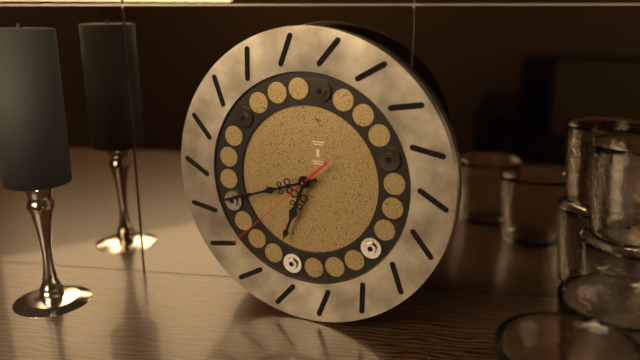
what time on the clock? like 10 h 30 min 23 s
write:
6 h 42 min 38 s
